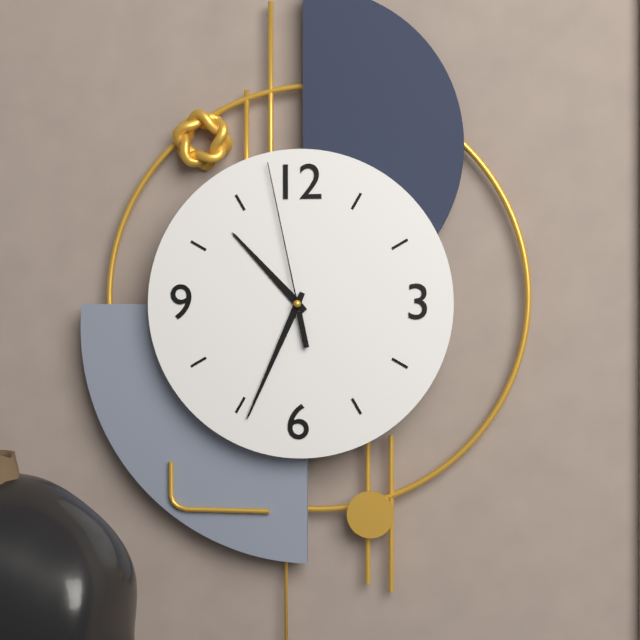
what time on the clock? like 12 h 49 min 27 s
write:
10 h 34 min 58 s
